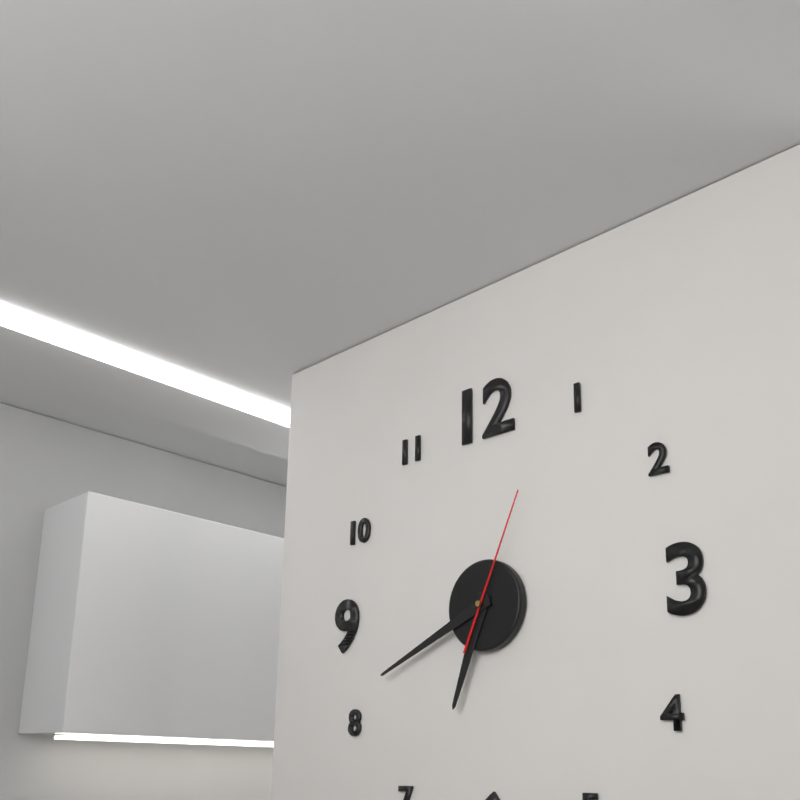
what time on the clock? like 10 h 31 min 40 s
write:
6 h 41 min 04 s
